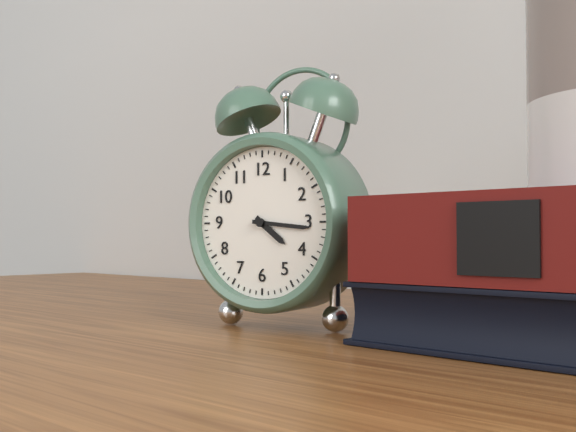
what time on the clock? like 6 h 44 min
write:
4 h 16 min
